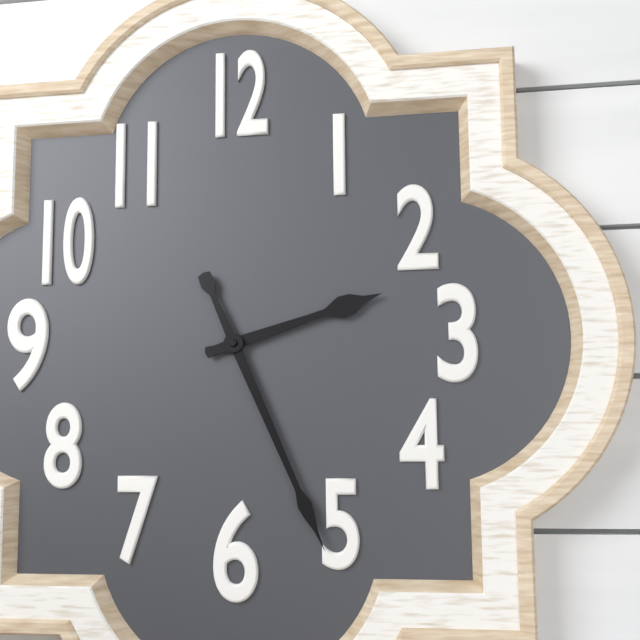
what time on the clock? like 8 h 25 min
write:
2 h 26 min
